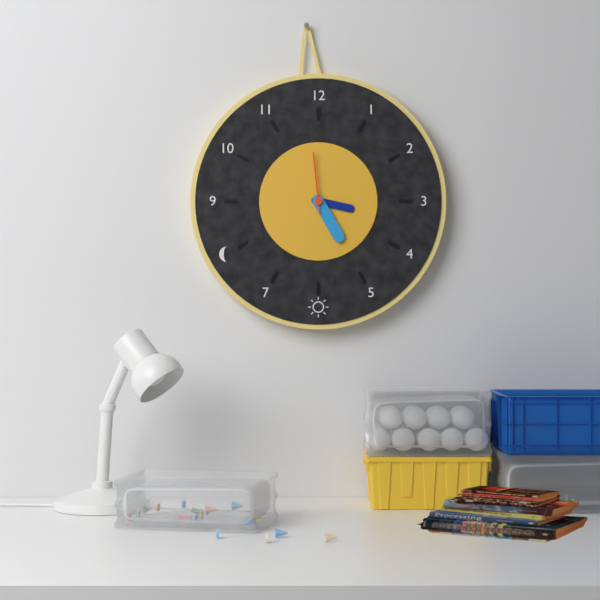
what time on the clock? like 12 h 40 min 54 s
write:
3 h 25 min 59 s
